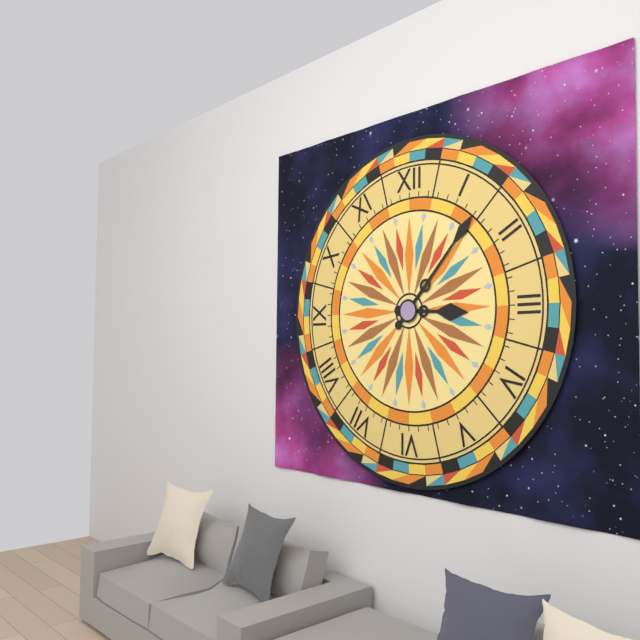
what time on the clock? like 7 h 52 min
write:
3 h 07 min
